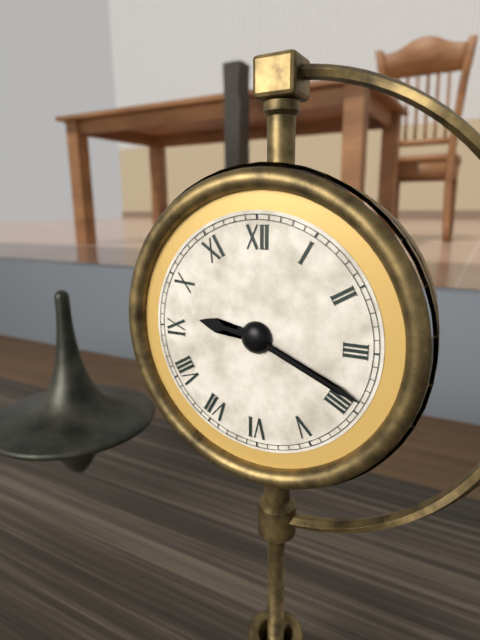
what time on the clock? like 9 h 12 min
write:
9 h 19 min
